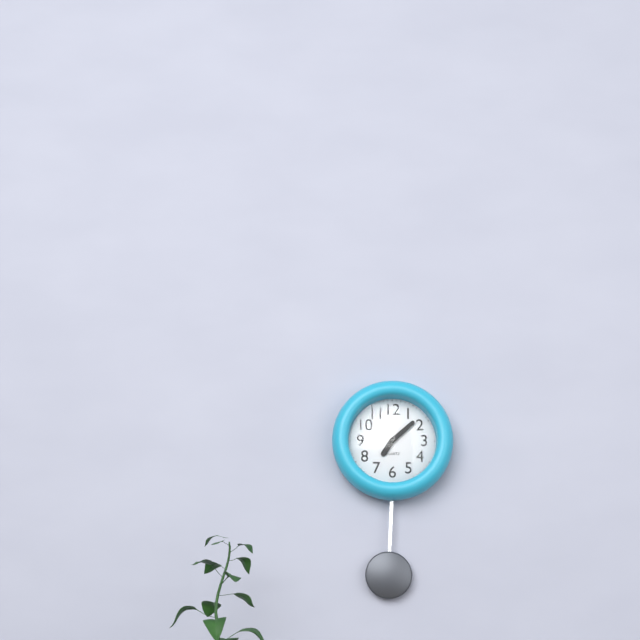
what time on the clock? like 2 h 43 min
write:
7 h 08 min
